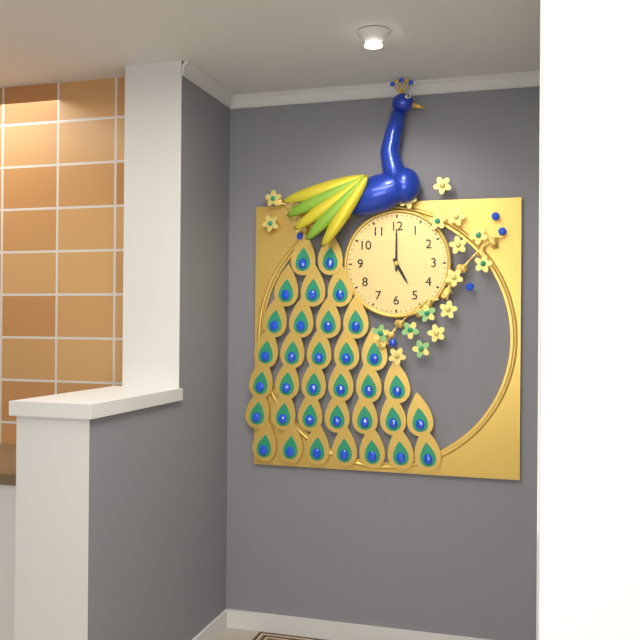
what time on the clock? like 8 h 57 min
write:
5 h 00 min
